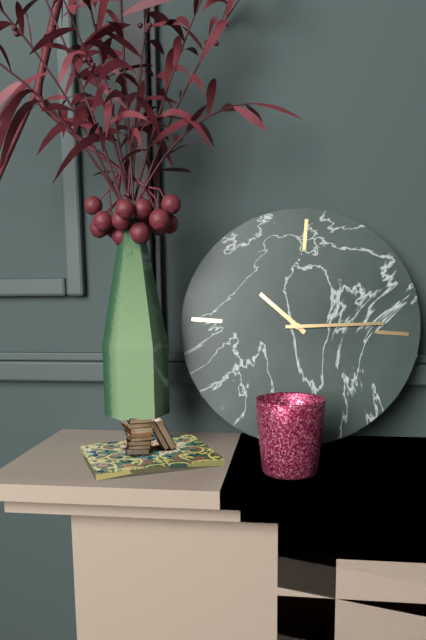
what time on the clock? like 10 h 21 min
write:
10 h 14 min
